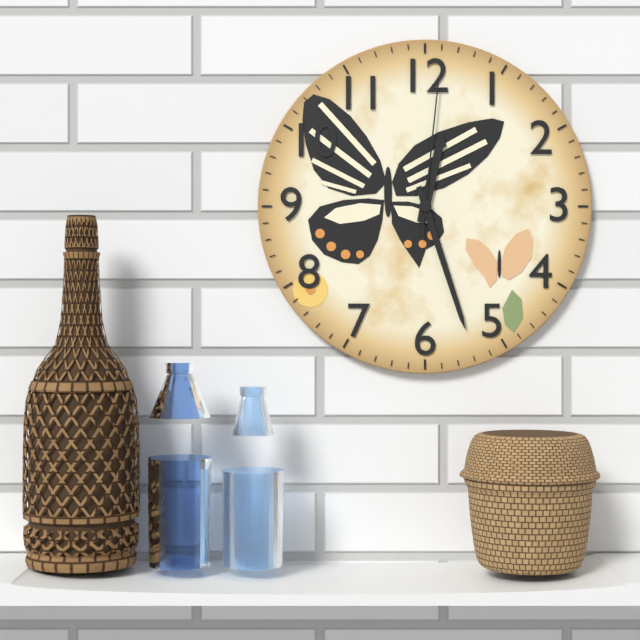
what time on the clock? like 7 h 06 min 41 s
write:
12 h 27 min 01 s
